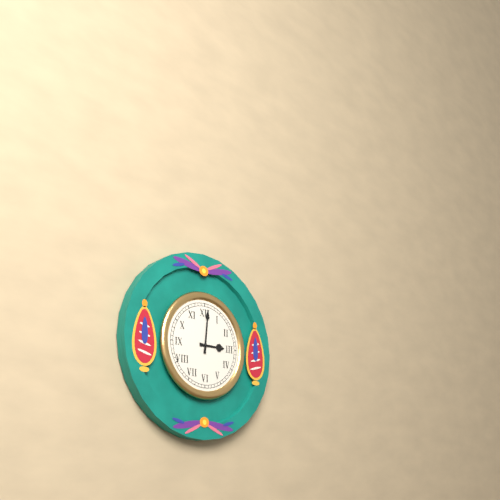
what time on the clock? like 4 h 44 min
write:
3 h 01 min
